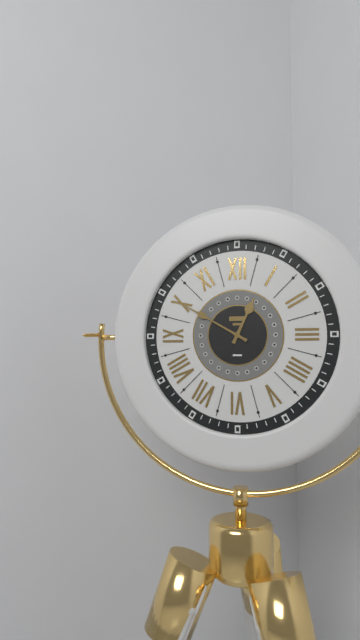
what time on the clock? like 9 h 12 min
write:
12 h 50 min
